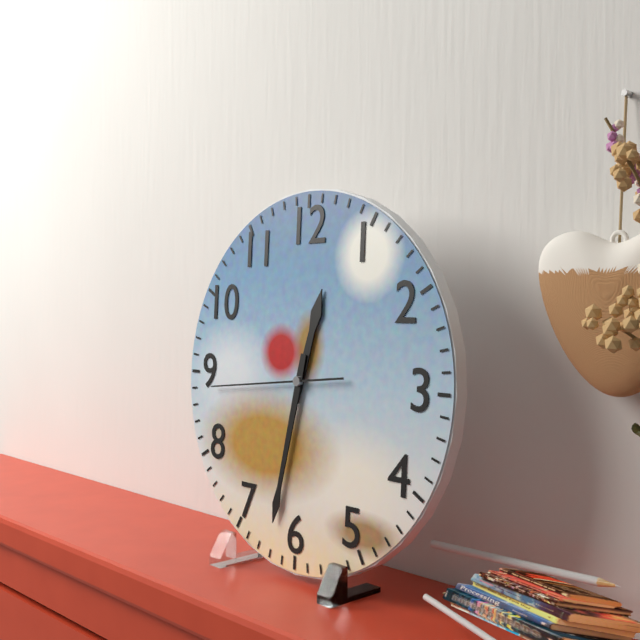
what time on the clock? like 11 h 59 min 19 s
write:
12 h 32 min 44 s
